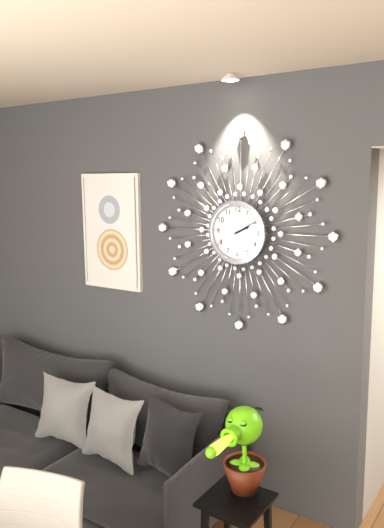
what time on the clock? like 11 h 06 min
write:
2 h 10 min
